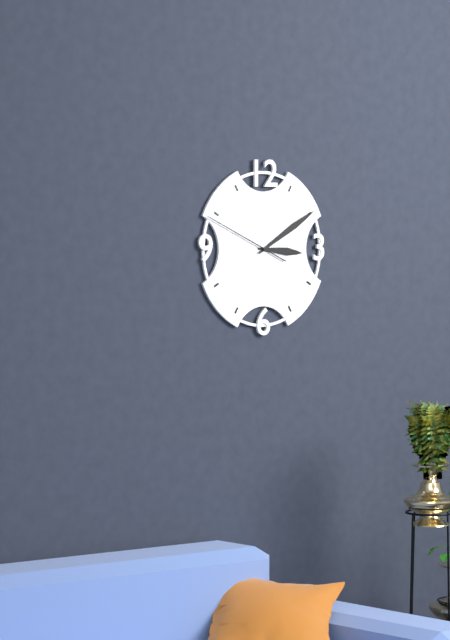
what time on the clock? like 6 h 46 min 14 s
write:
3 h 10 min 49 s
